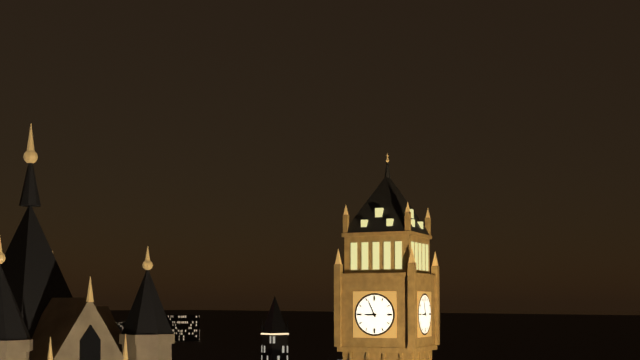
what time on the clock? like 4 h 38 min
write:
8 h 56 min
